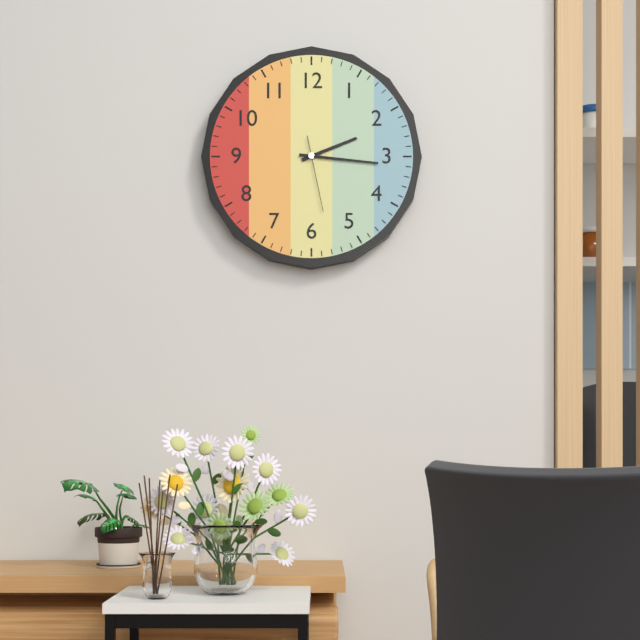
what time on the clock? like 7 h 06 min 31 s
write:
2 h 16 min 28 s
